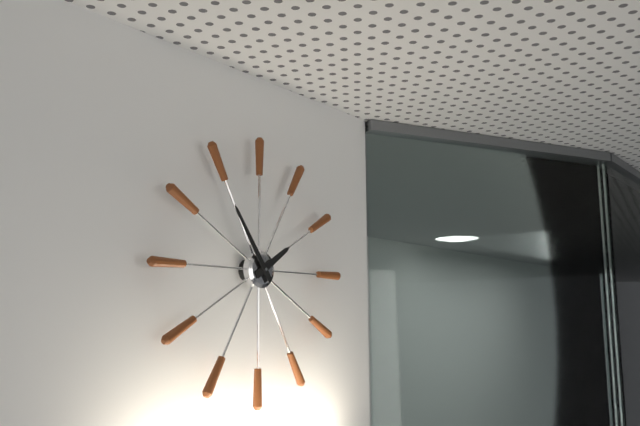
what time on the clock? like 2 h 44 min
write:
1 h 54 min
